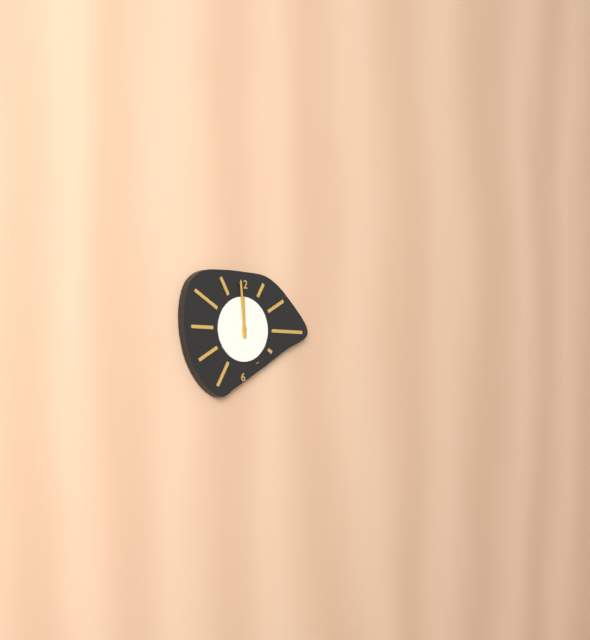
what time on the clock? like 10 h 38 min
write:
11 h 59 min
